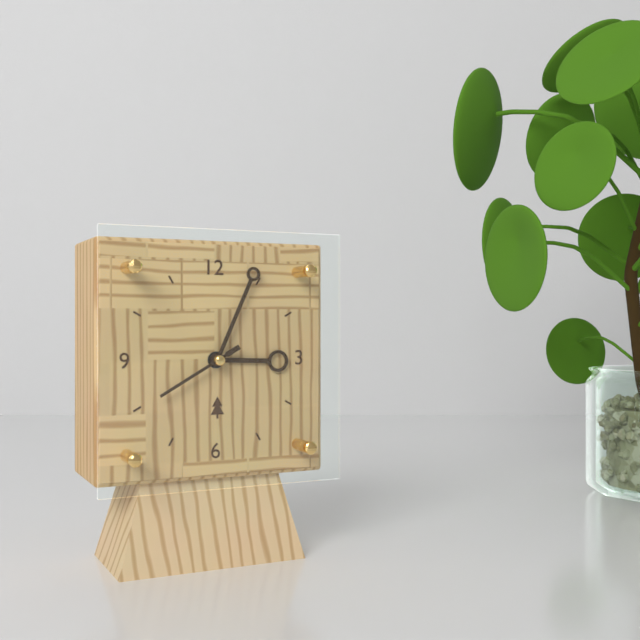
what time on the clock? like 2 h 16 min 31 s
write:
3 h 04 min 40 s
